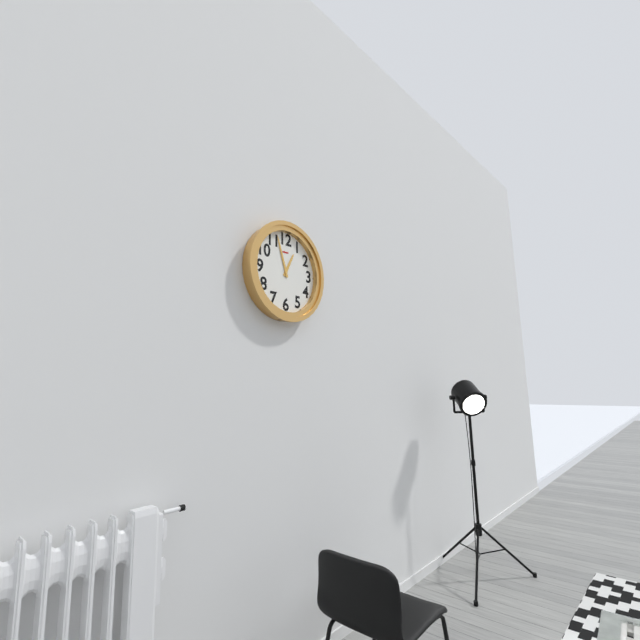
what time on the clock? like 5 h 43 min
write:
12 h 57 min
